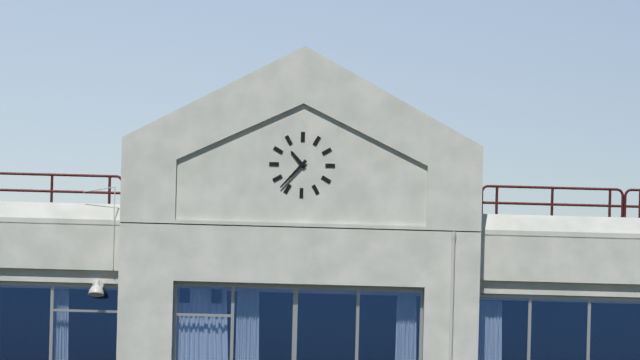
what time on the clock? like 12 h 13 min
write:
10 h 37 min
